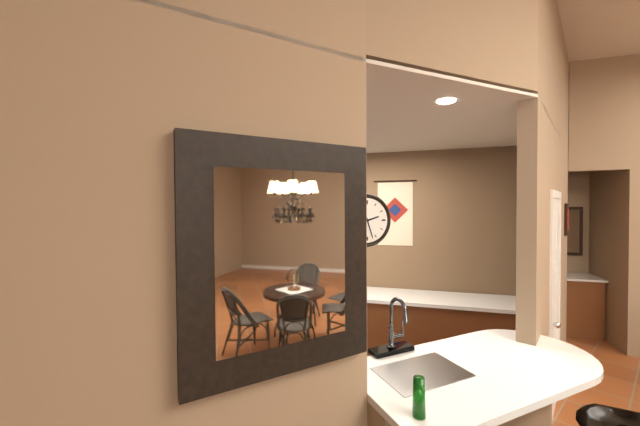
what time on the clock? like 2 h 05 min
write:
2 h 27 min
